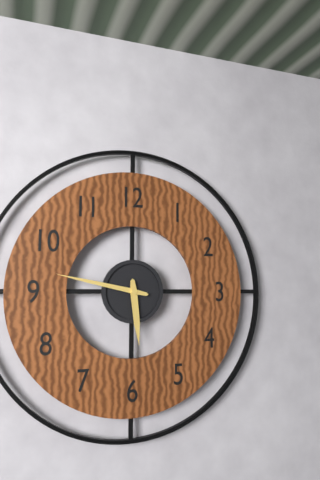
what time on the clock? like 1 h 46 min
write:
5 h 47 min
